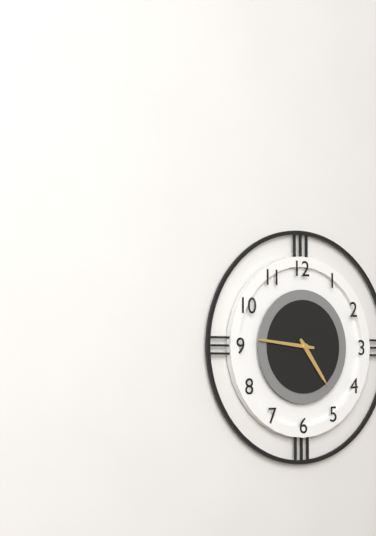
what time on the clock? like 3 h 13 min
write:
4 h 46 min
